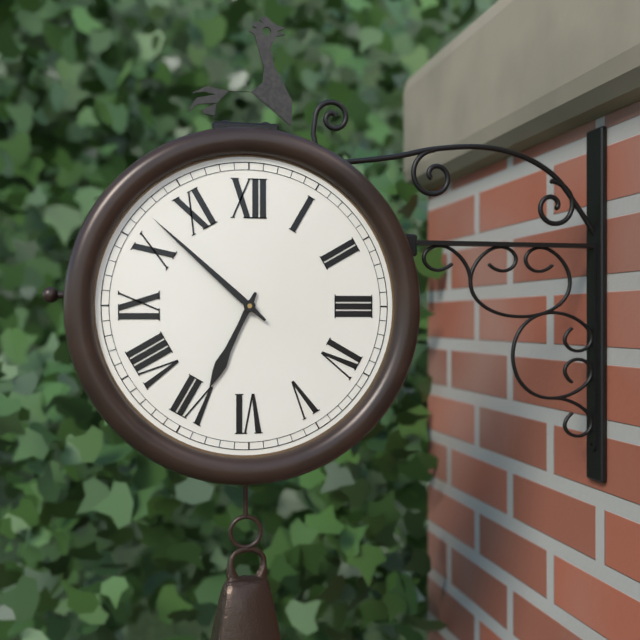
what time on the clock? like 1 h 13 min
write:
6 h 52 min
